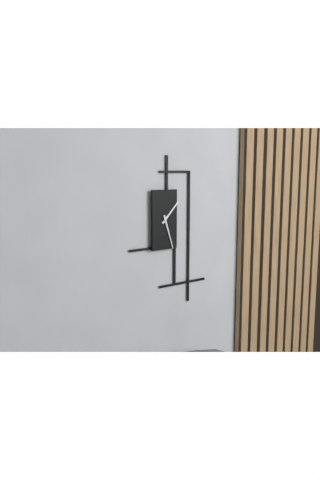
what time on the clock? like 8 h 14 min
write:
1 h 27 min
